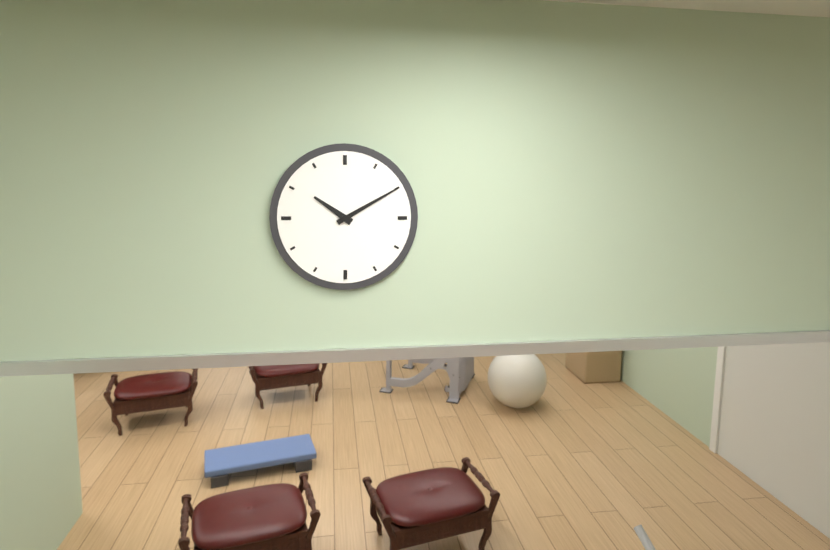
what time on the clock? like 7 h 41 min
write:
10 h 10 min
